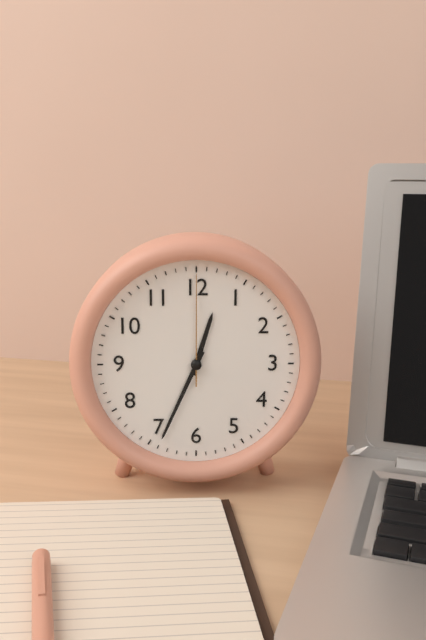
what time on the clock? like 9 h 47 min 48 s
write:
12 h 34 min 00 s
